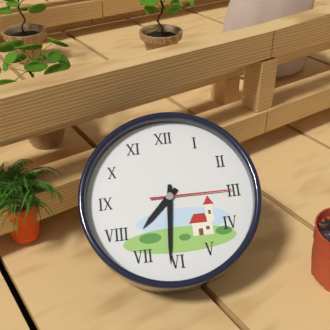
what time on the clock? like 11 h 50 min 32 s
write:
7 h 31 min 15 s
